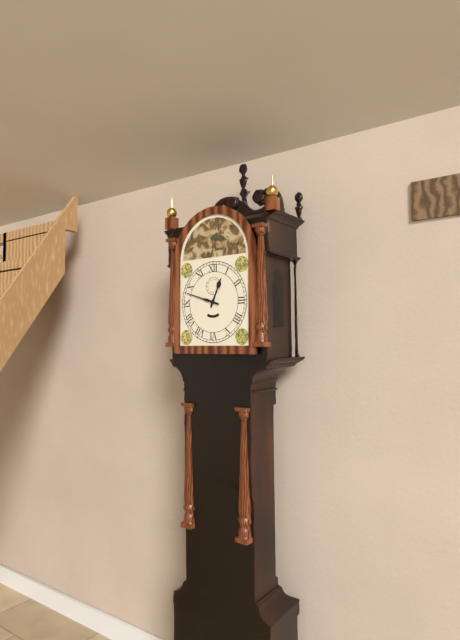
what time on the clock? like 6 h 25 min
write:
12 h 48 min
